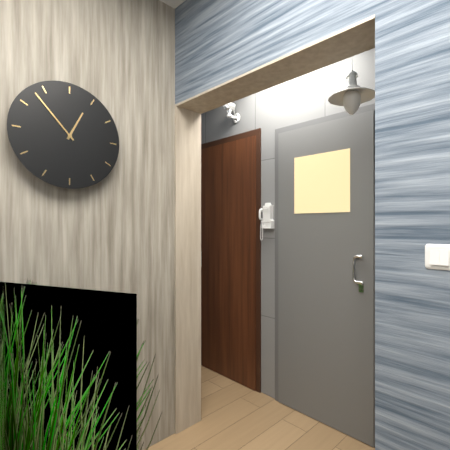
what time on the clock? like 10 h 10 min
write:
12 h 53 min
